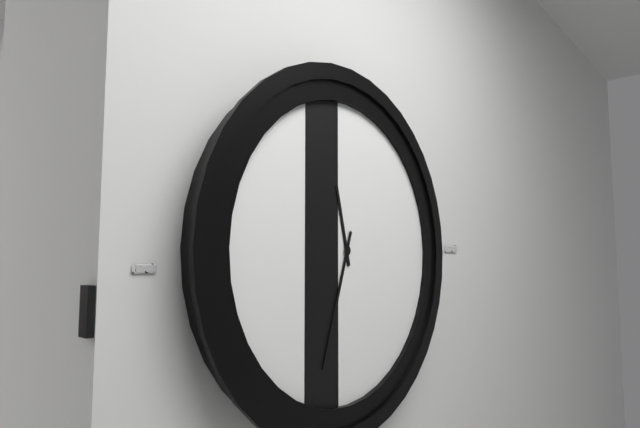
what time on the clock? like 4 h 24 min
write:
11 h 33 min
